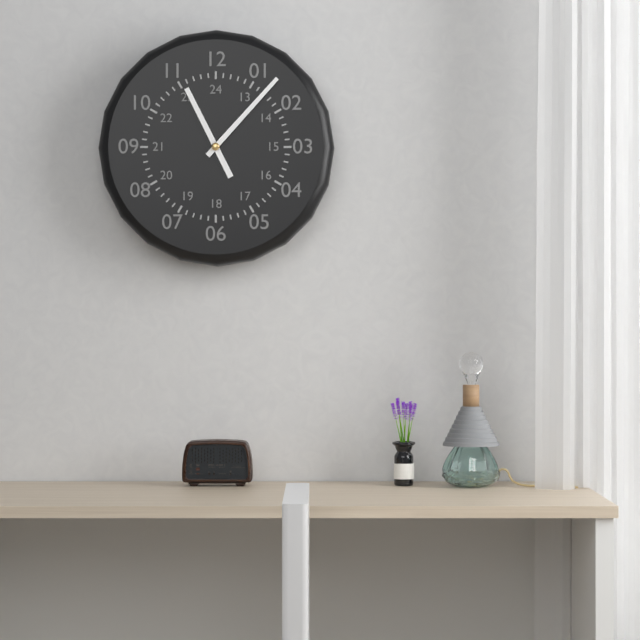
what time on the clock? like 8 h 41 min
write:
11 h 07 min
